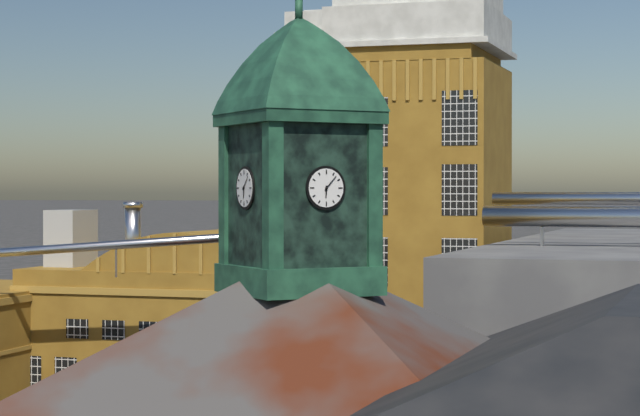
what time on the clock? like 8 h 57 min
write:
6 h 07 min
